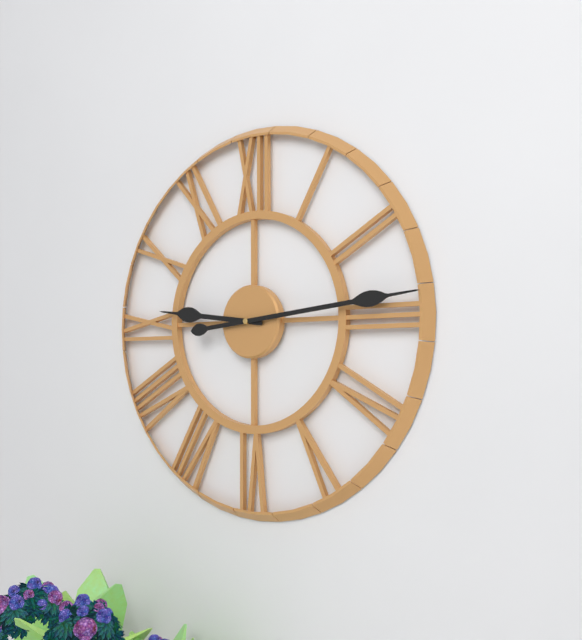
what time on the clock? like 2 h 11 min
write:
9 h 14 min
